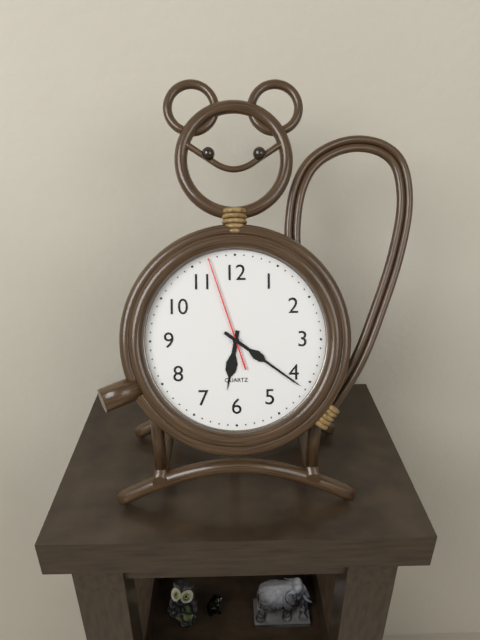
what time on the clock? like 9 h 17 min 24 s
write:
6 h 21 min 57 s
